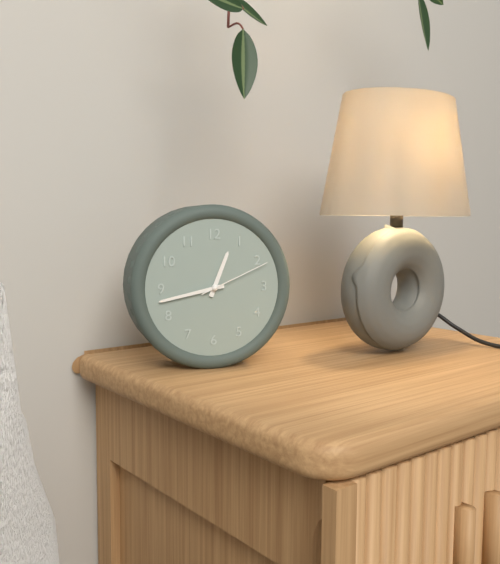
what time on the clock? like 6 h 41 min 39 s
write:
12 h 43 min 11 s
